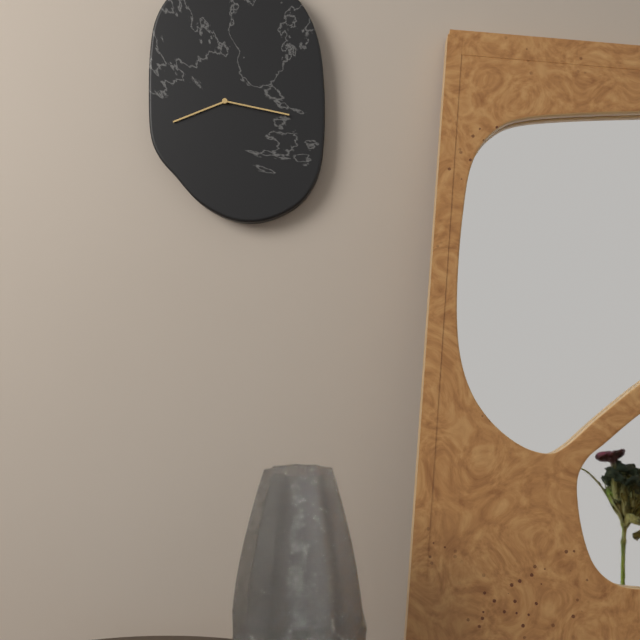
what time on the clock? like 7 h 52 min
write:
8 h 17 min
